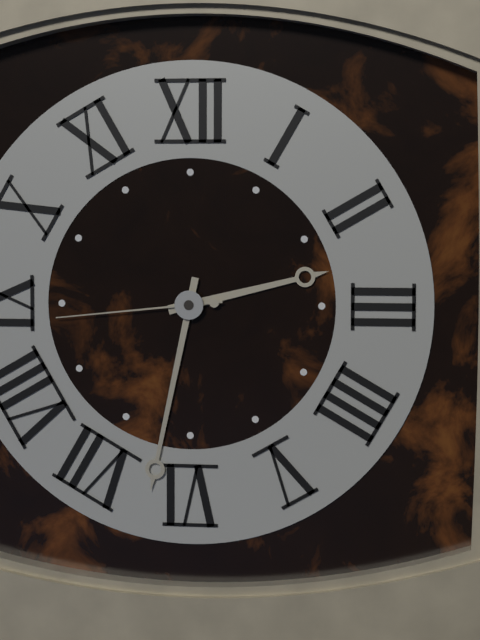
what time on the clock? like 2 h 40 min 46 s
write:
2 h 32 min 44 s
